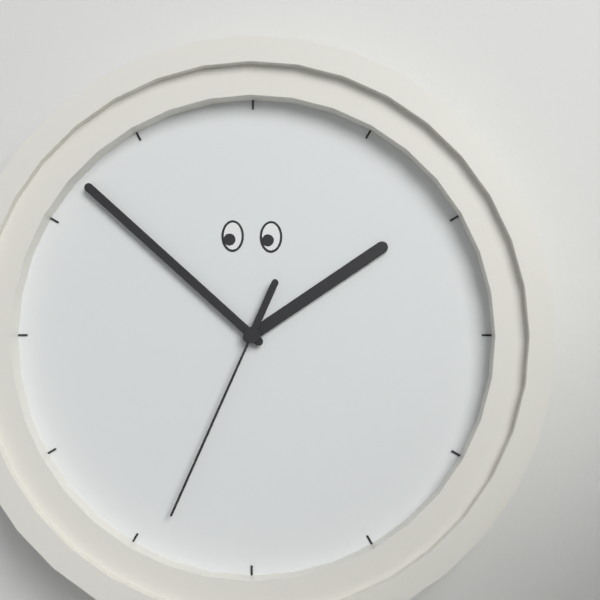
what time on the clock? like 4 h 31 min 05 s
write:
1 h 52 min 34 s
